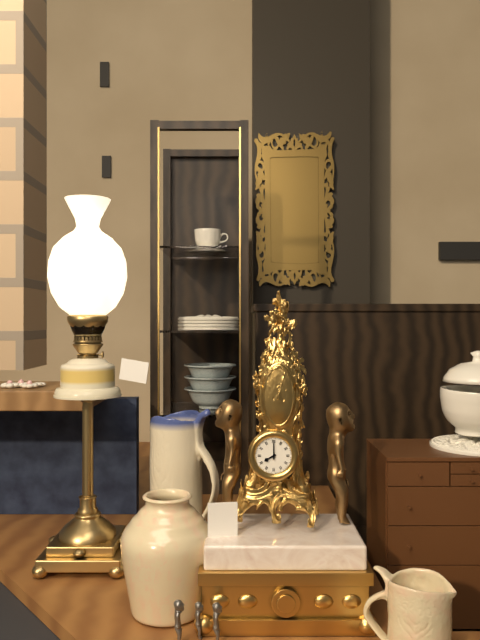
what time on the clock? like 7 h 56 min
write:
8 h 00 min
